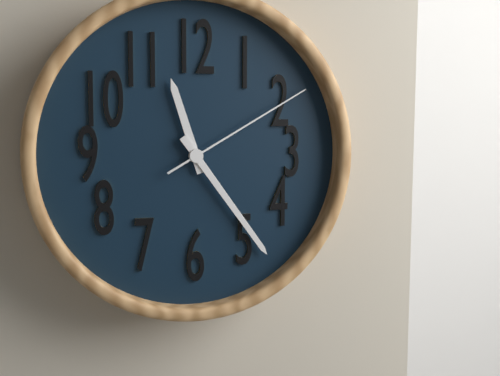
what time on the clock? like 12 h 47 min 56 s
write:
11 h 24 min 10 s
